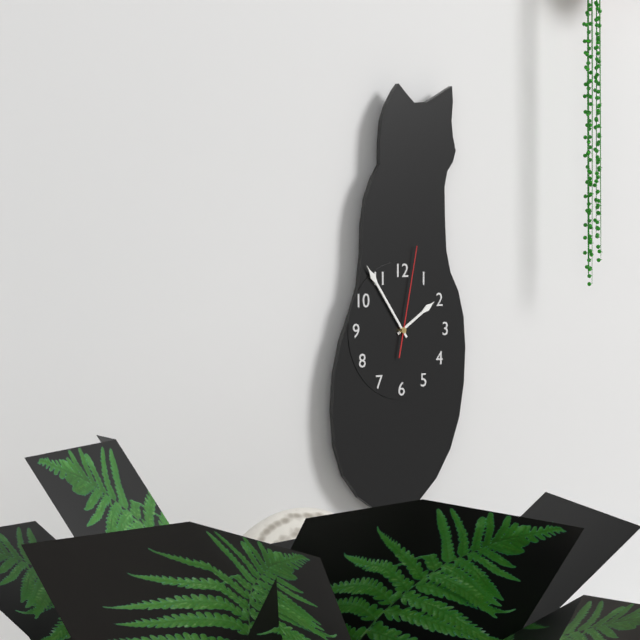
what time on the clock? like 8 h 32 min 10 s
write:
1 h 54 min 02 s
